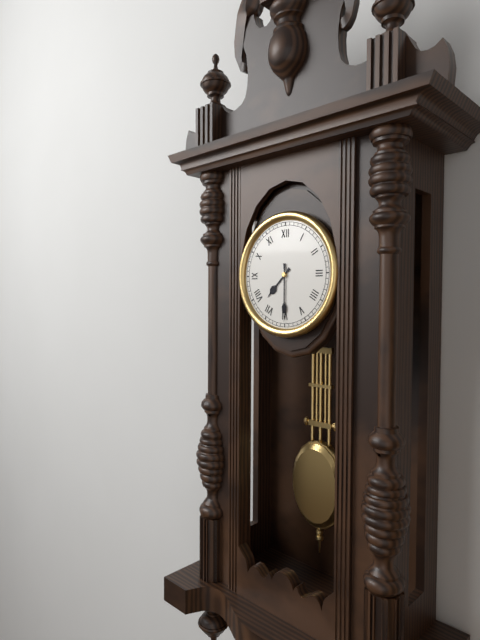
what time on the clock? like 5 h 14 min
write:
7 h 30 min
